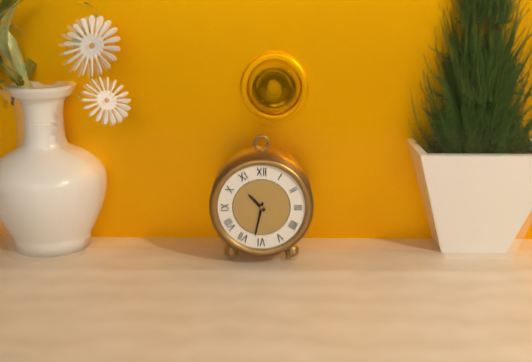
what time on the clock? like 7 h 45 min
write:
10 h 32 min
